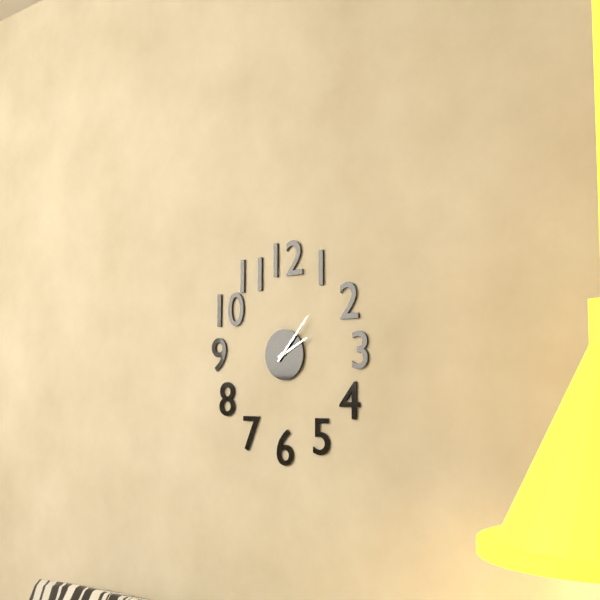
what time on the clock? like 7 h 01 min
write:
2 h 07 min
